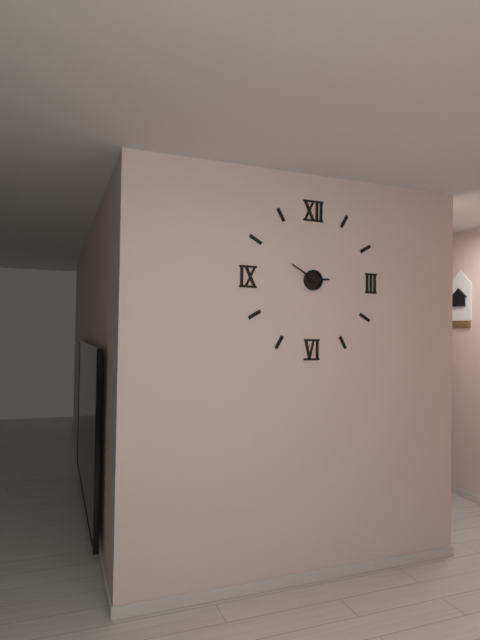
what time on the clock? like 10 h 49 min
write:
2 h 50 min
